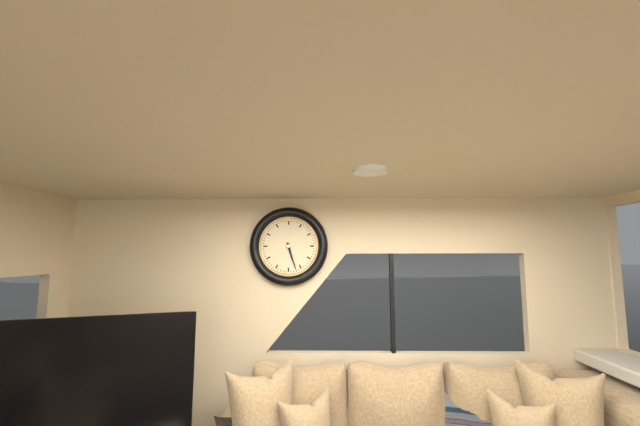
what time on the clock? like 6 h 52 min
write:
5 h 27 min
